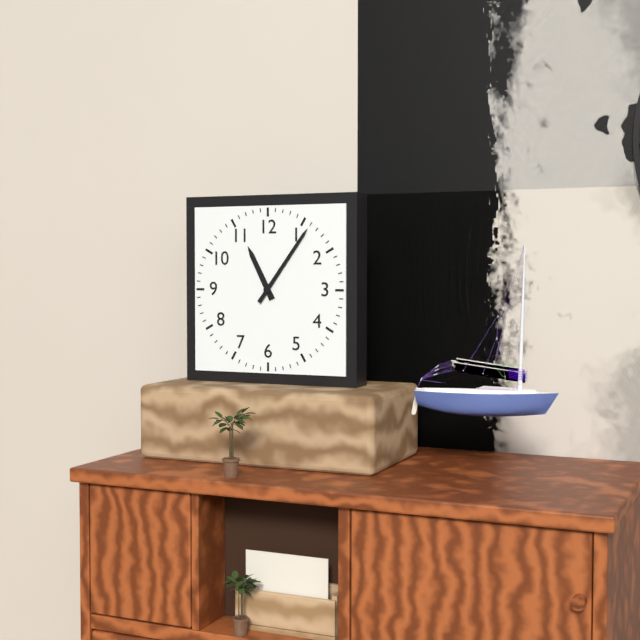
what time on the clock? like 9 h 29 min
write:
11 h 06 min
